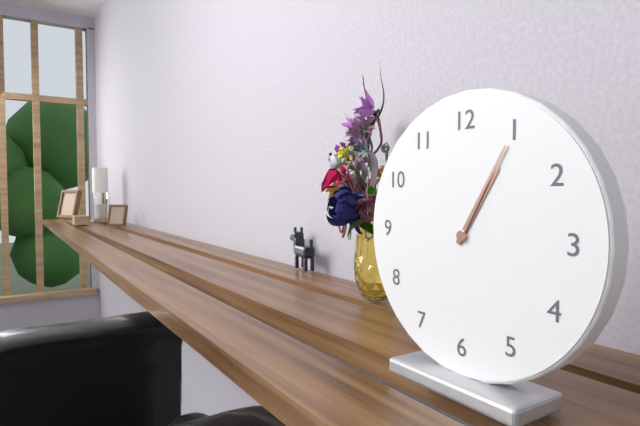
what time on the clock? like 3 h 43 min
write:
1 h 05 min
